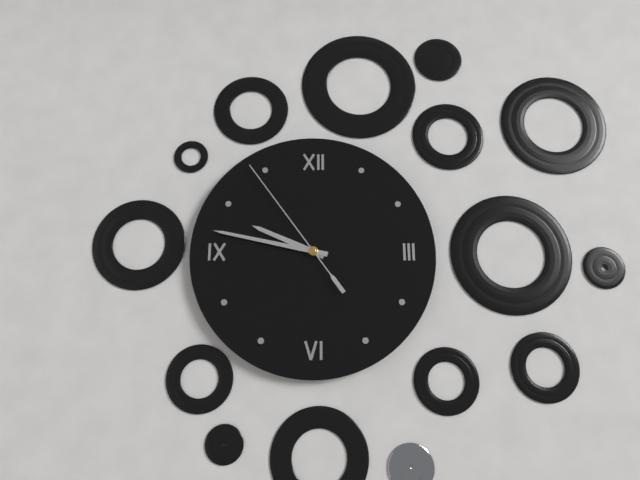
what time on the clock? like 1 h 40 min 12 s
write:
9 h 47 min 54 s
